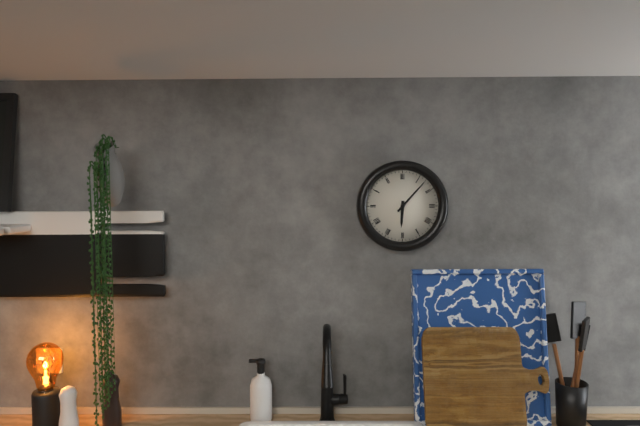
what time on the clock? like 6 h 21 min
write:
6 h 07 min
